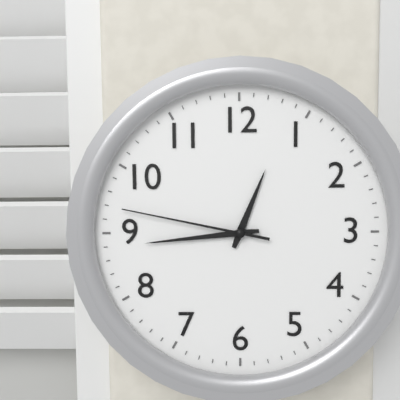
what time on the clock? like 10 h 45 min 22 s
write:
12 h 44 min 47 s
